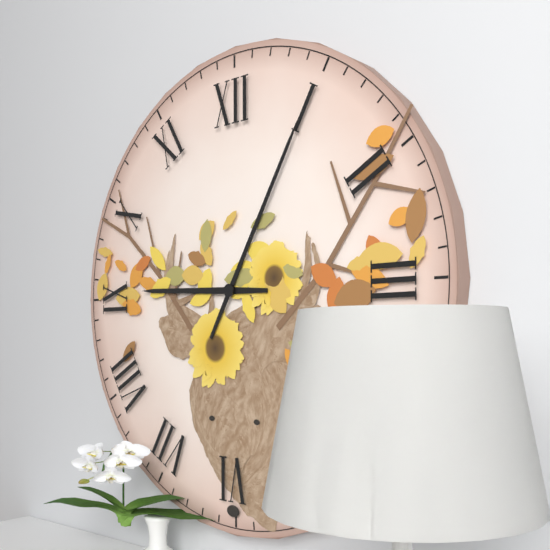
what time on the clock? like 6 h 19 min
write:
9 h 05 min
